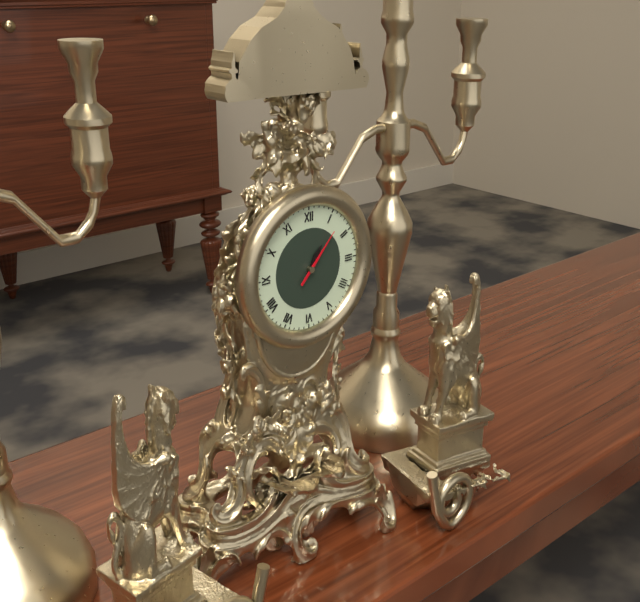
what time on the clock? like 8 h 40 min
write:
1 h 07 min
